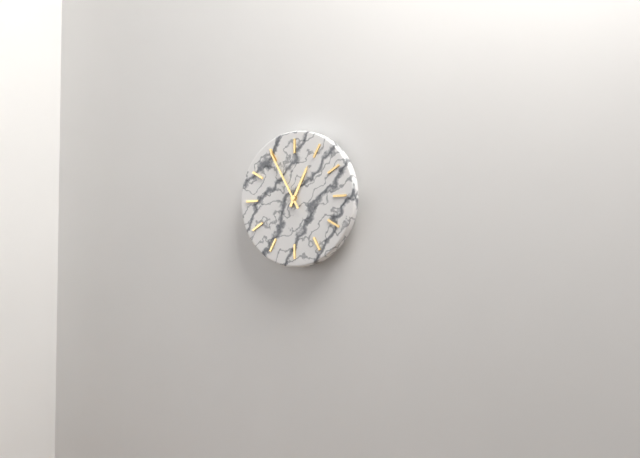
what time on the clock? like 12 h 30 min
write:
12 h 55 min
